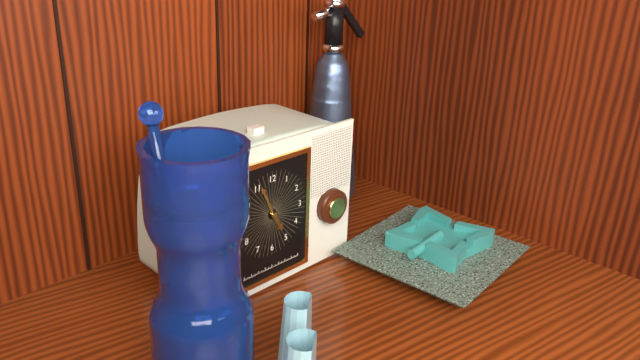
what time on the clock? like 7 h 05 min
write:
4 h 56 min
